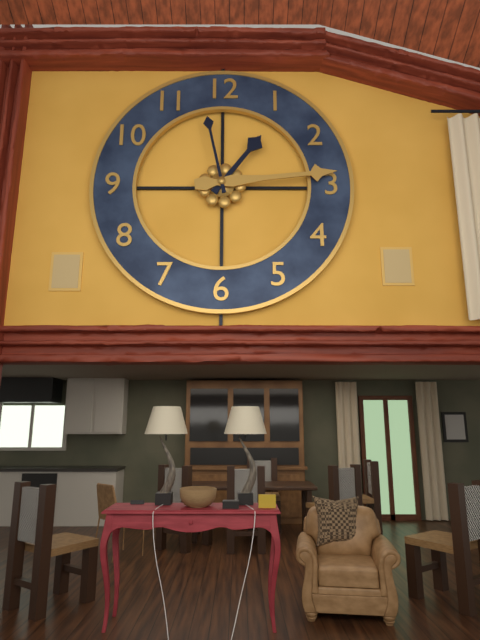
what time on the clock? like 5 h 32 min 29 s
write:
1 h 14 min 58 s
